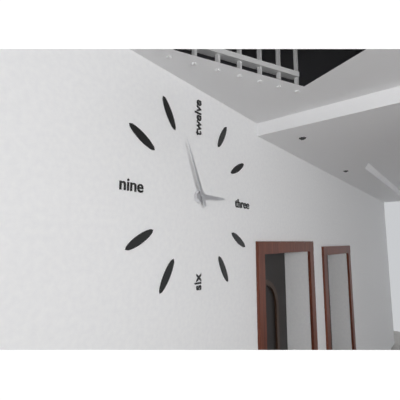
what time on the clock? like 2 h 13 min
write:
2 h 56 min
